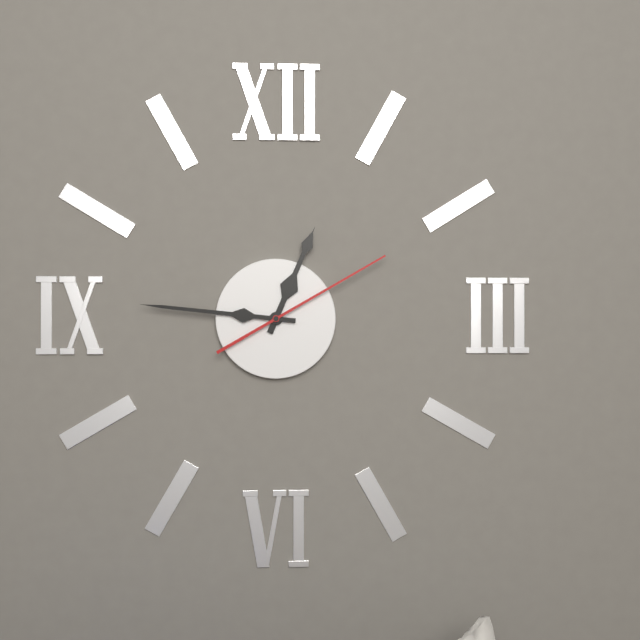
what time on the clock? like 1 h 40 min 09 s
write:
12 h 46 min 10 s
